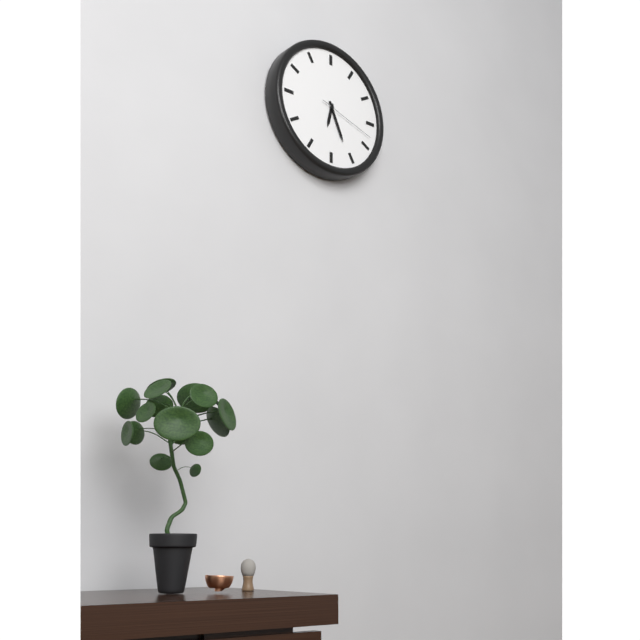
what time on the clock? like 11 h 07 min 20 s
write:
6 h 26 min 18 s
